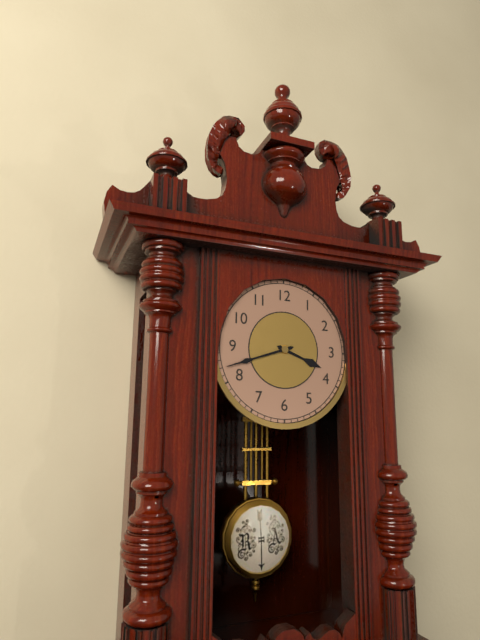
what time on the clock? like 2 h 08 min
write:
3 h 42 min
